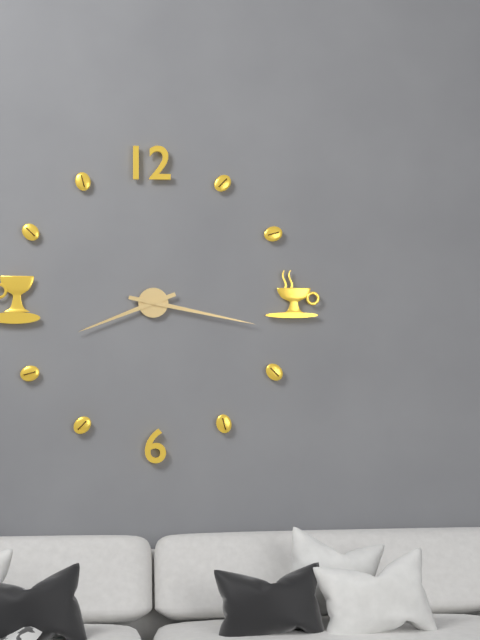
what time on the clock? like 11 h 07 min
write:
8 h 17 min
